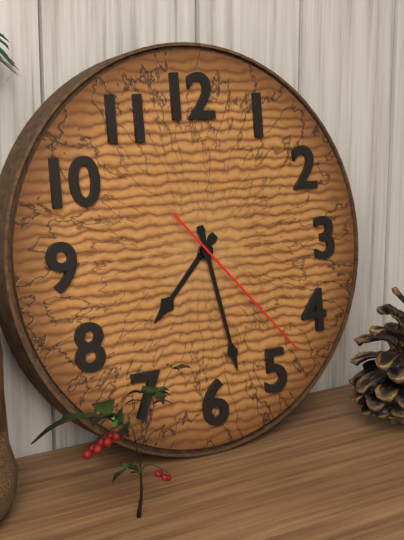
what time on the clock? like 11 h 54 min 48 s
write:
7 h 28 min 23 s
